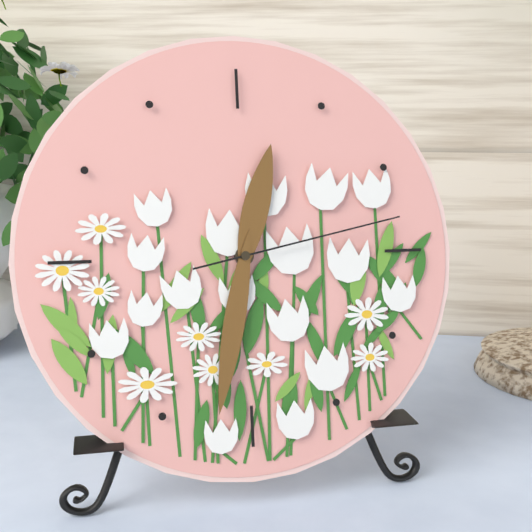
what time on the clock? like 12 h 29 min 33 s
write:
12 h 32 min 13 s
